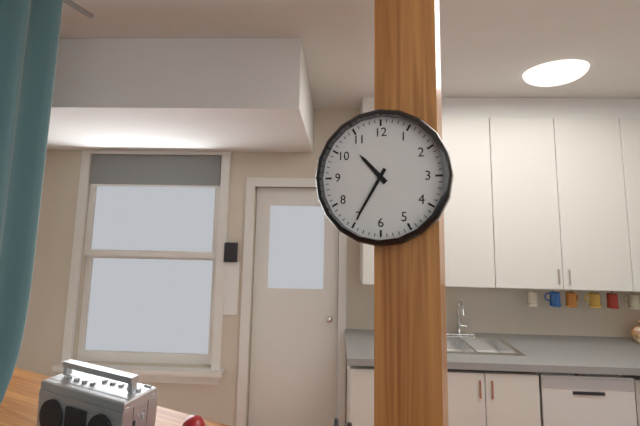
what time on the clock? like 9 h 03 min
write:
10 h 35 min
